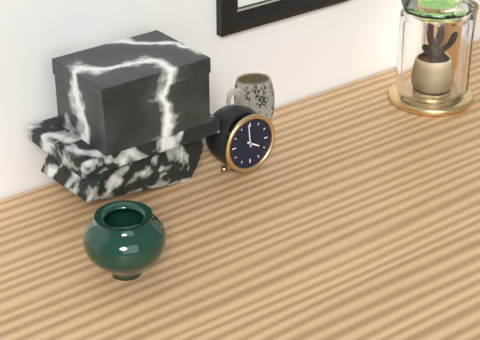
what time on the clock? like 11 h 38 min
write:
3 h 59 min
